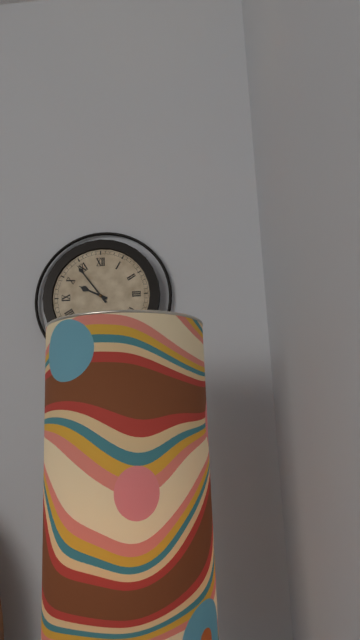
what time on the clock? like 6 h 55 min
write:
9 h 54 min
